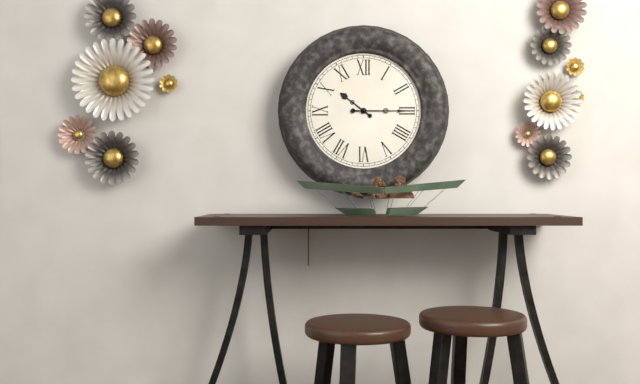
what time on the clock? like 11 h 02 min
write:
10 h 15 min
